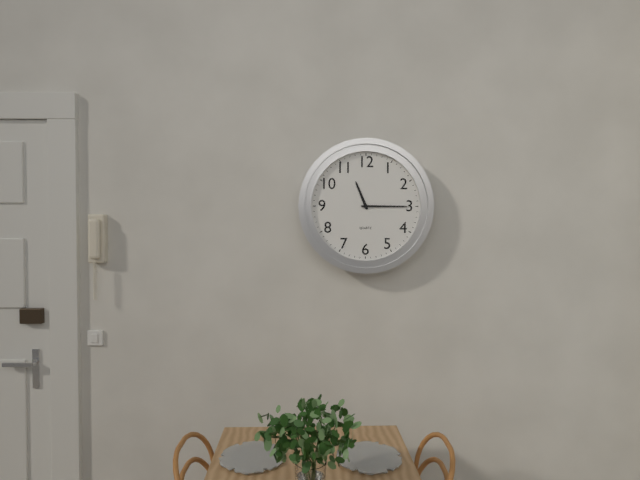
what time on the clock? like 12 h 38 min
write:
11 h 15 min
